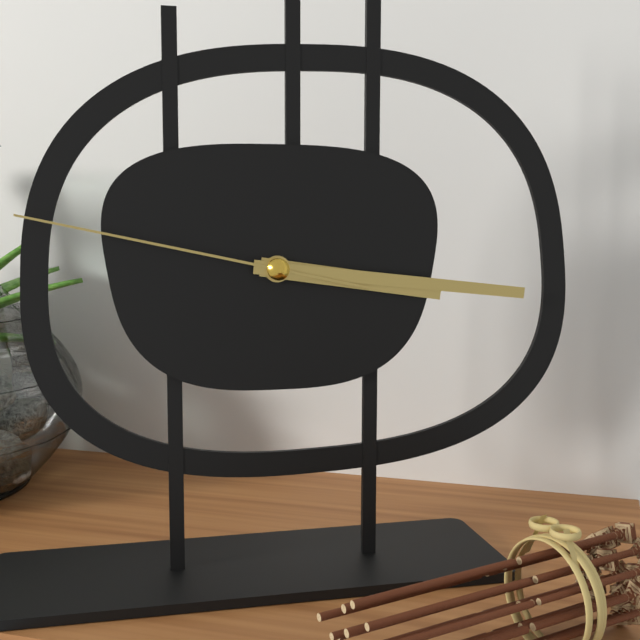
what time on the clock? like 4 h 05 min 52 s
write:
3 h 16 min 47 s
